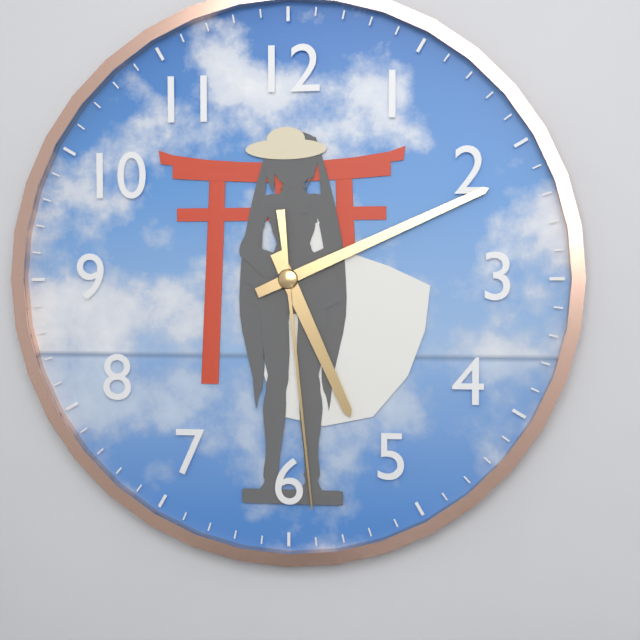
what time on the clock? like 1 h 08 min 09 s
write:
5 h 11 min 29 s
